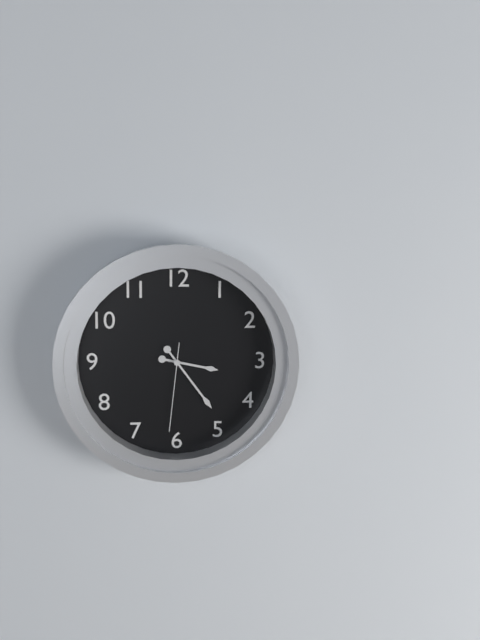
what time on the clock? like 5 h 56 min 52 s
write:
3 h 24 min 31 s
